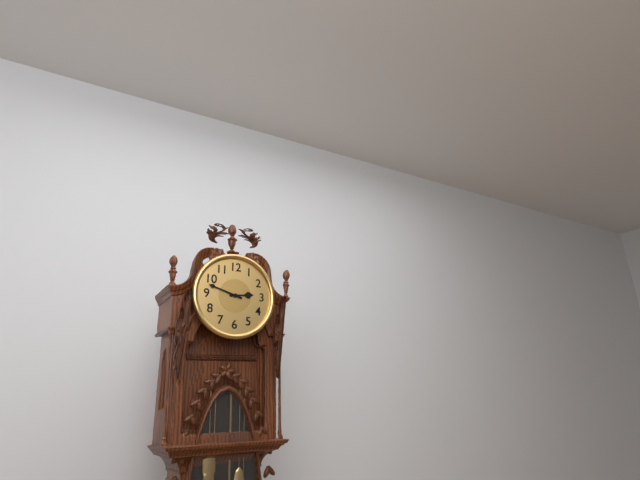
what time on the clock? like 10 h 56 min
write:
2 h 48 min
